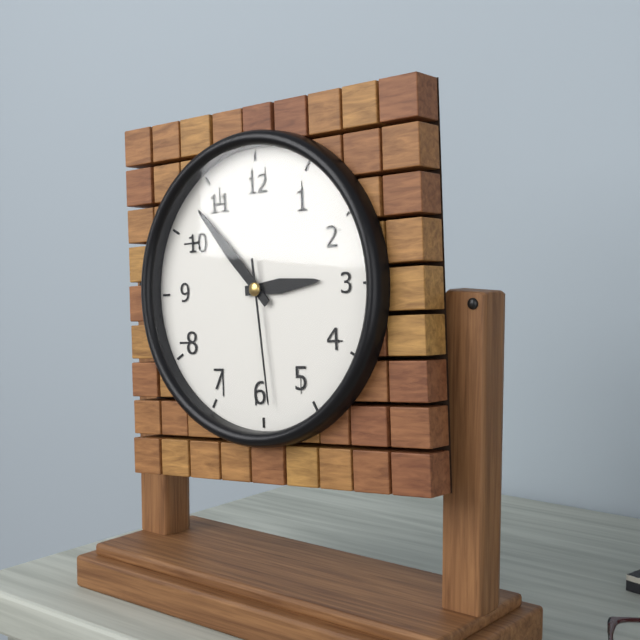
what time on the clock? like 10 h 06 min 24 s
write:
2 h 53 min 29 s
